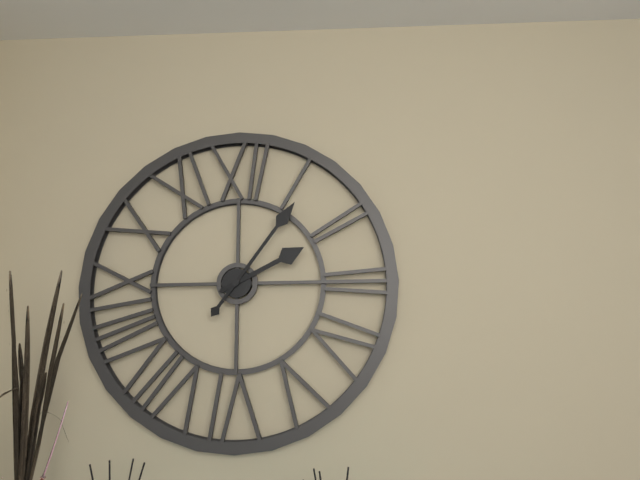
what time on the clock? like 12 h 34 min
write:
2 h 06 min
